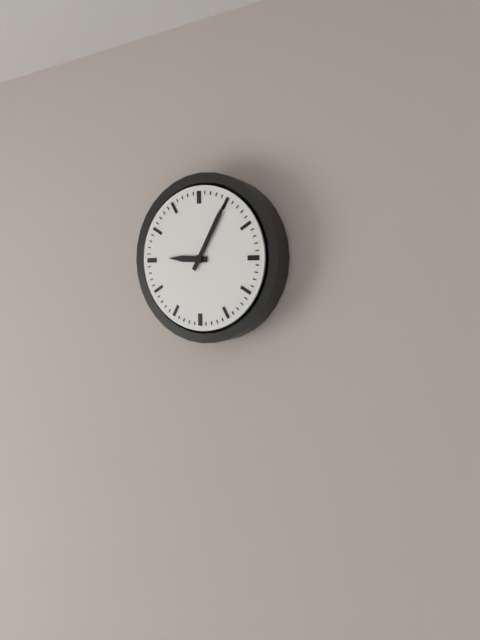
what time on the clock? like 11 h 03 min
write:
9 h 05 min
